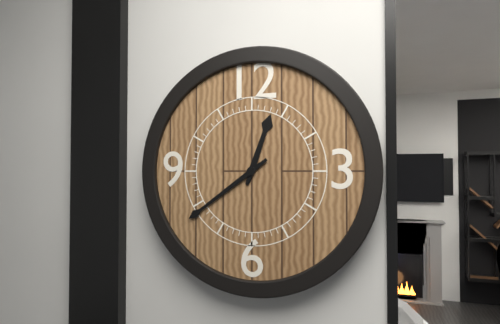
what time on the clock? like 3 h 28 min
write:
12 h 39 min
